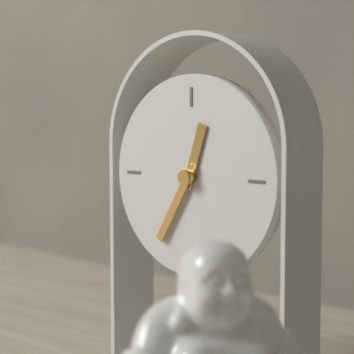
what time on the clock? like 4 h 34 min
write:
12 h 35 min
